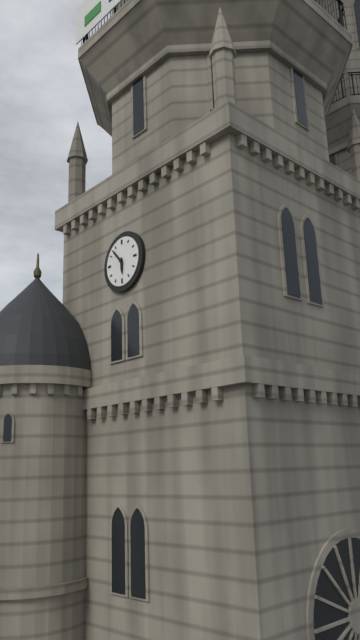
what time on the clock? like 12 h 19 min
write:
5 h 53 min
